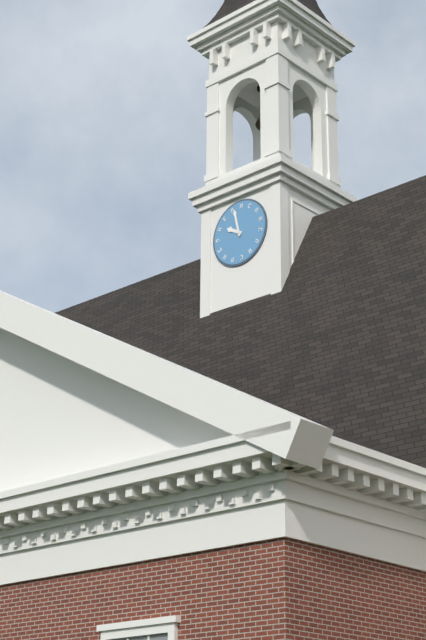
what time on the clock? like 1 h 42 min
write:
9 h 58 min
